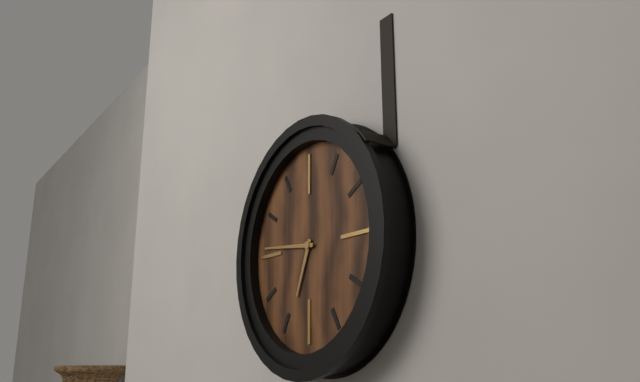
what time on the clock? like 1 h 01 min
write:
6 h 46 min
